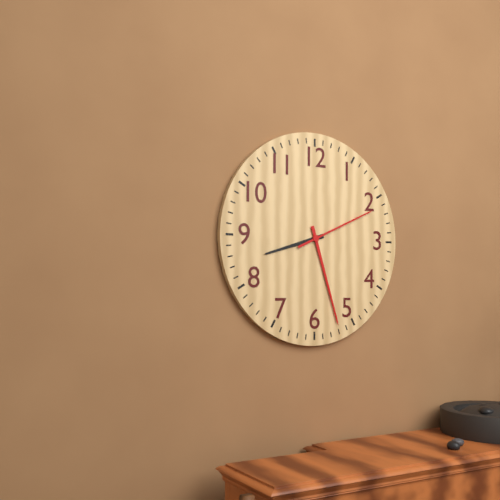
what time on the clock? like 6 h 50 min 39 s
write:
8 h 27 min 11 s
